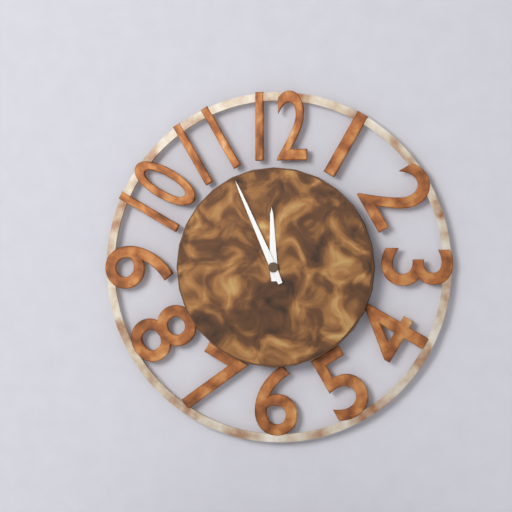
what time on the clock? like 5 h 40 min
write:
11 h 56 min
